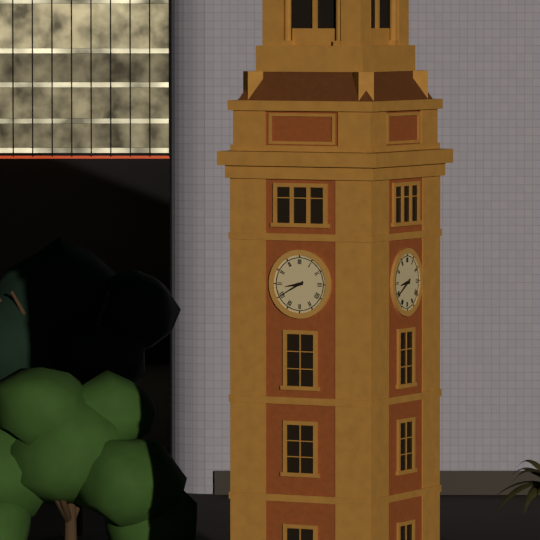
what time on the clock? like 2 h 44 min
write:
8 h 40 min
